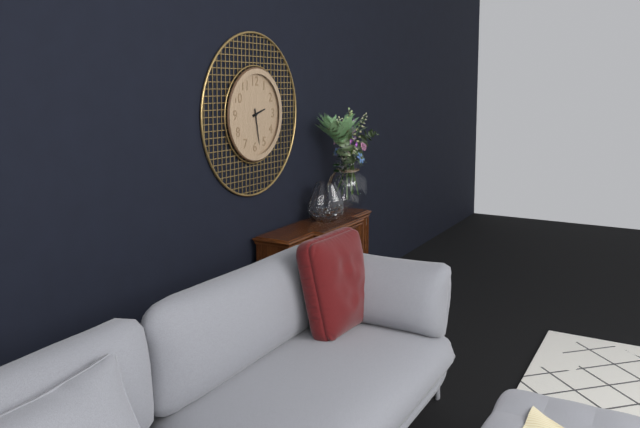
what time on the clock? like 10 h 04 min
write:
2 h 28 min
